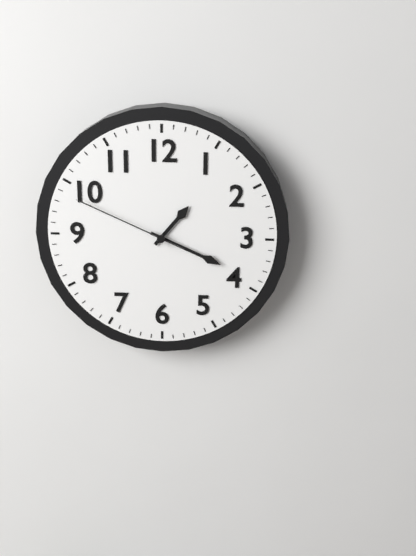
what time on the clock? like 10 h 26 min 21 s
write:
1 h 19 min 49 s
